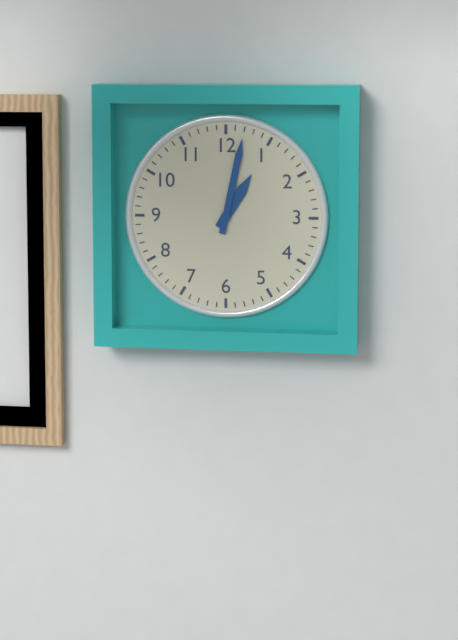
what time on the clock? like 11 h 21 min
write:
1 h 02 min
